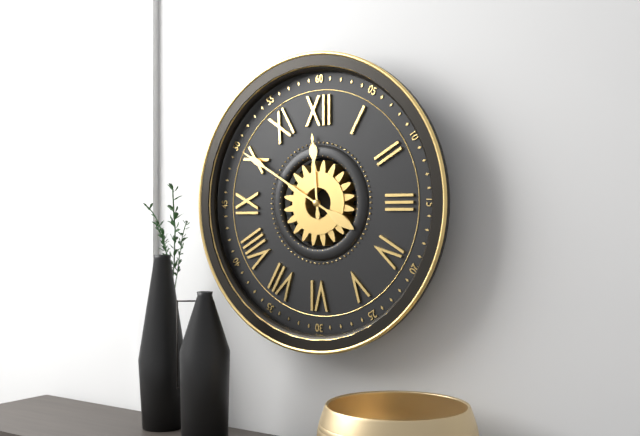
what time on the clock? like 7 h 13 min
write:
11 h 50 min
